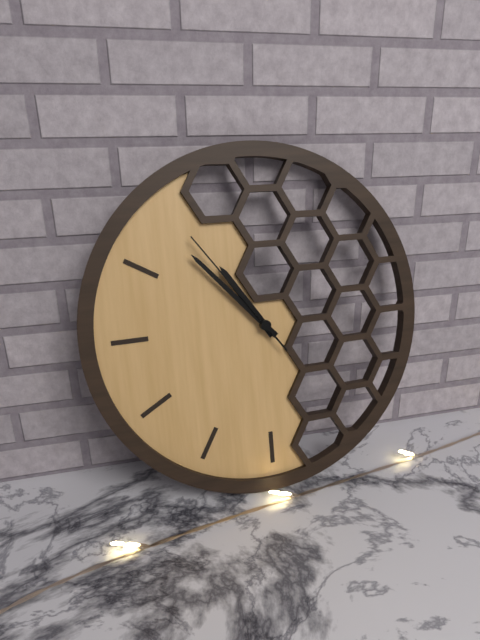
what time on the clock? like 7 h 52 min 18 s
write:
10 h 53 min 54 s
